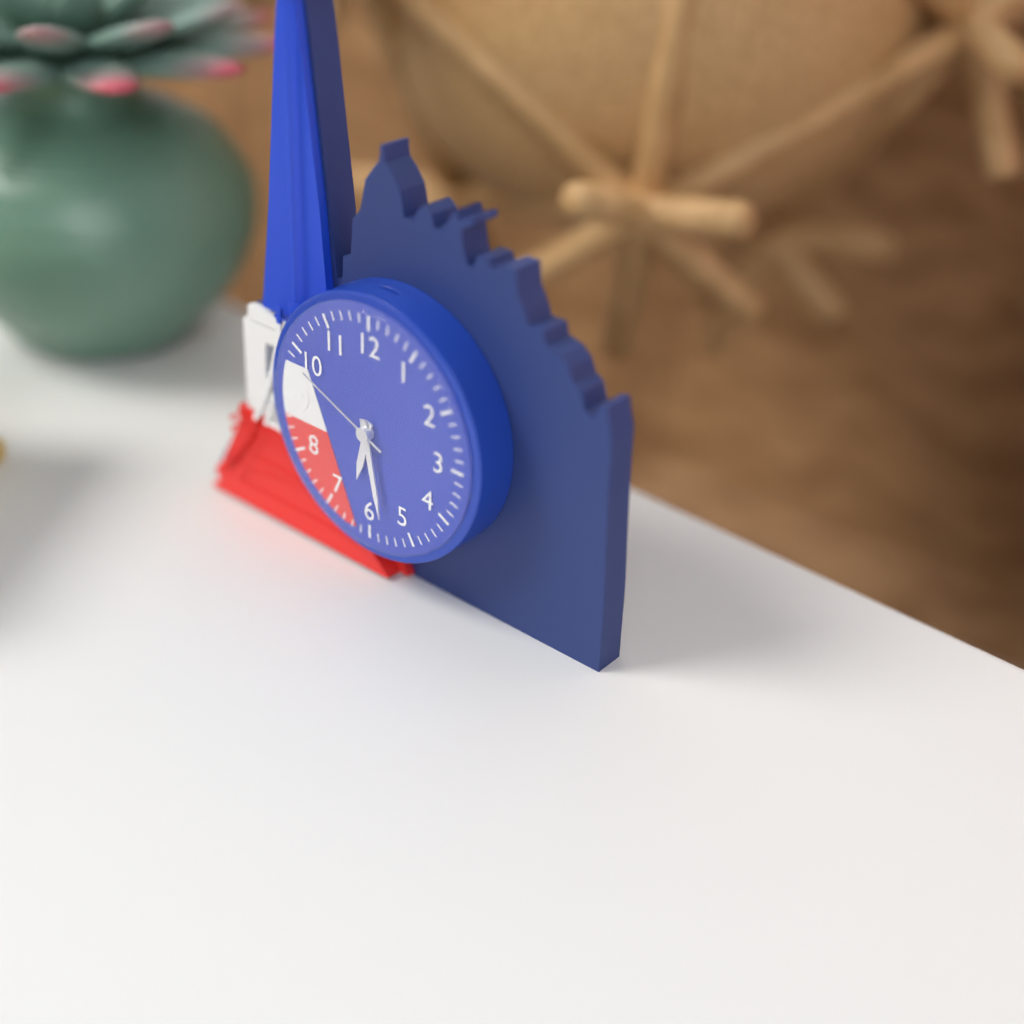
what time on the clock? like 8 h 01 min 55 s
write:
6 h 28 min 49 s
